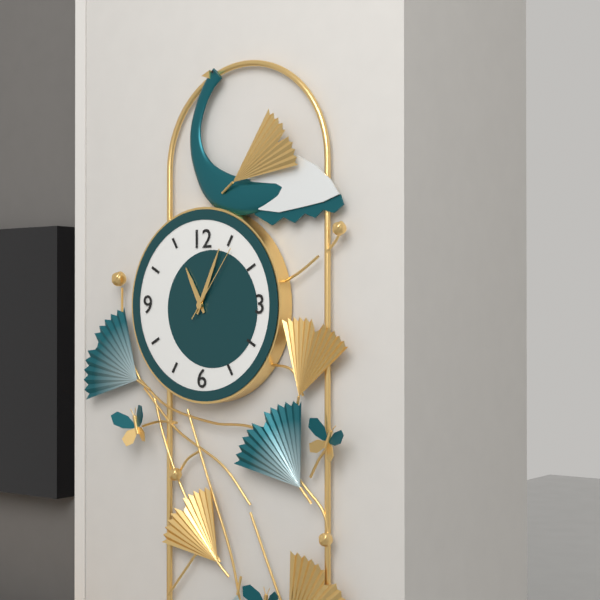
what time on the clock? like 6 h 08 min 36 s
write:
11 h 04 min 06 s
